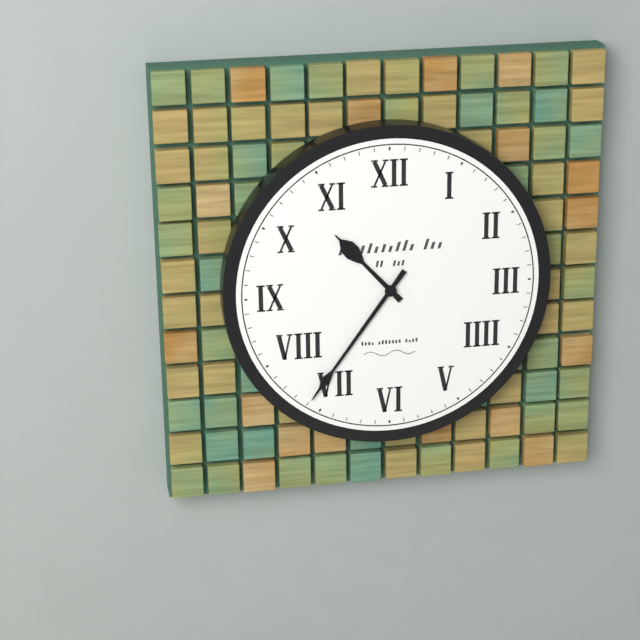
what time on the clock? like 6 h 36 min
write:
10 h 36 min
